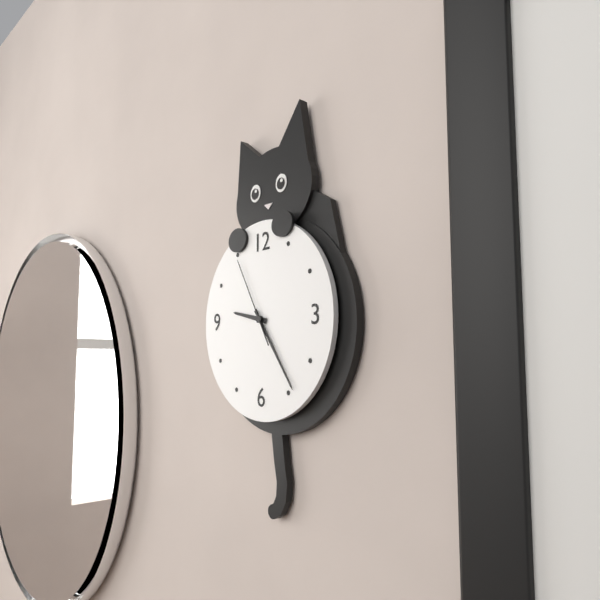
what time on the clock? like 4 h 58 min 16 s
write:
9 h 24 min 55 s
